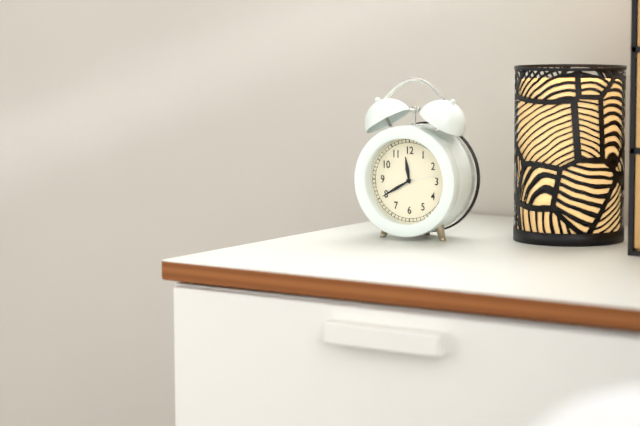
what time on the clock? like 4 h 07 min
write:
11 h 40 min
